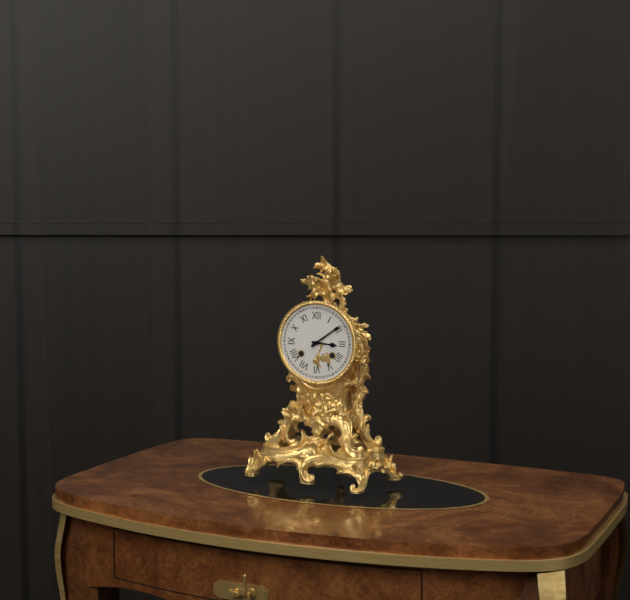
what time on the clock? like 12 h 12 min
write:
3 h 09 min
